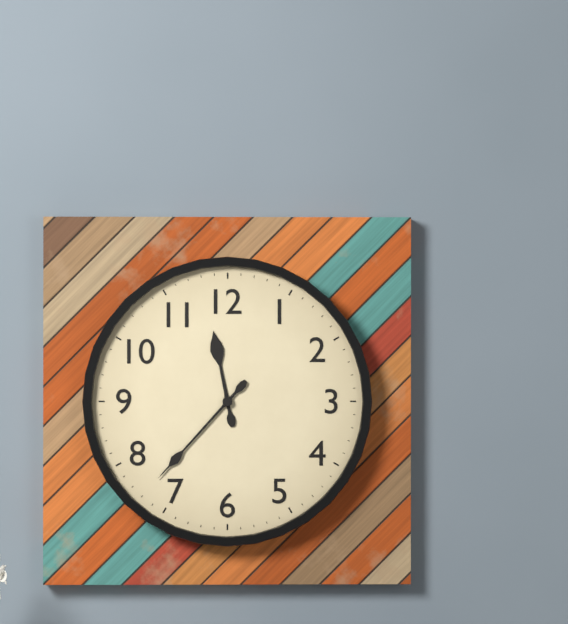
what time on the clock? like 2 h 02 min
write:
11 h 37 min
